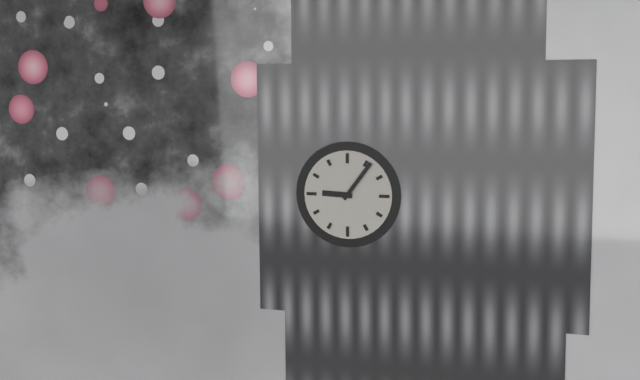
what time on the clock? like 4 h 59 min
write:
9 h 06 min
